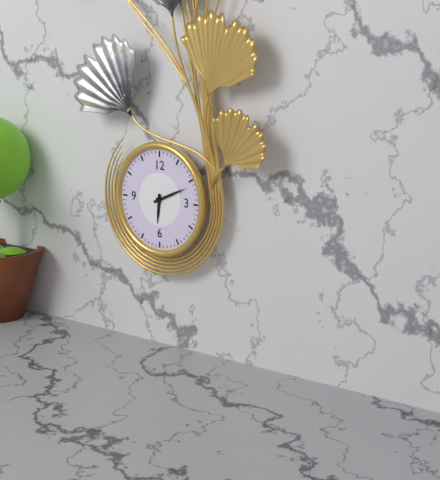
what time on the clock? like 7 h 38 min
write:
6 h 11 min
